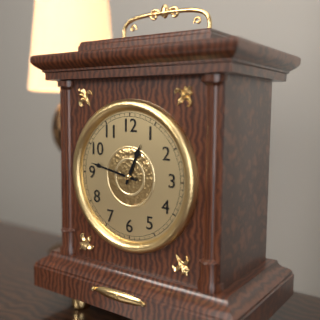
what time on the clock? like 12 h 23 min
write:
12 h 47 min
